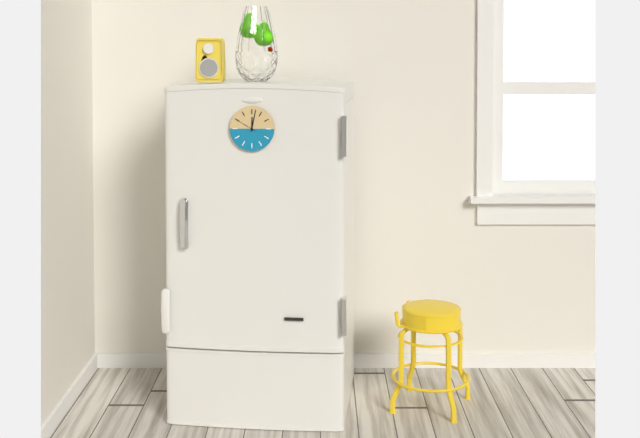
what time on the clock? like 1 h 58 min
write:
12 h 02 min
